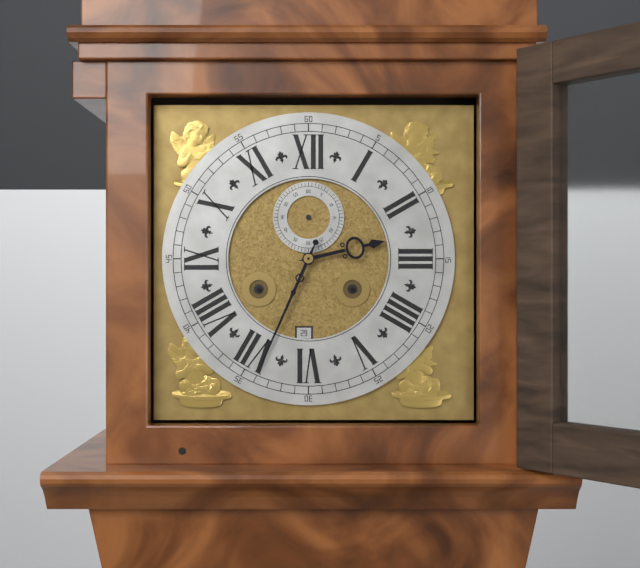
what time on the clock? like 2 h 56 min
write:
2 h 34 min
